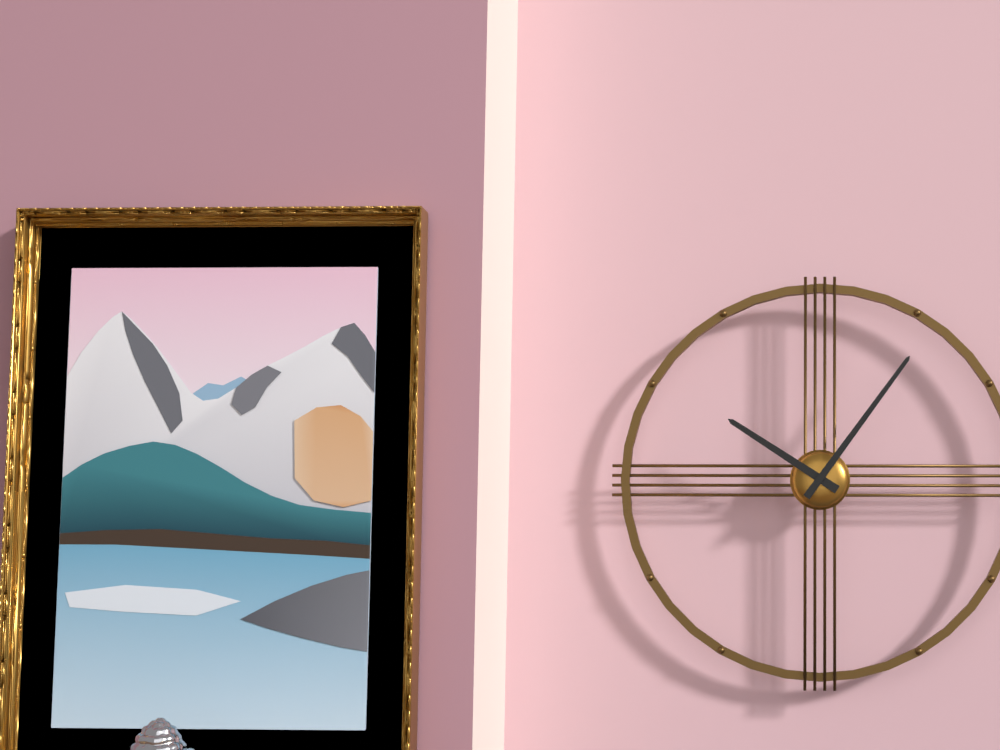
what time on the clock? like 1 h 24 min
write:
10 h 06 min
